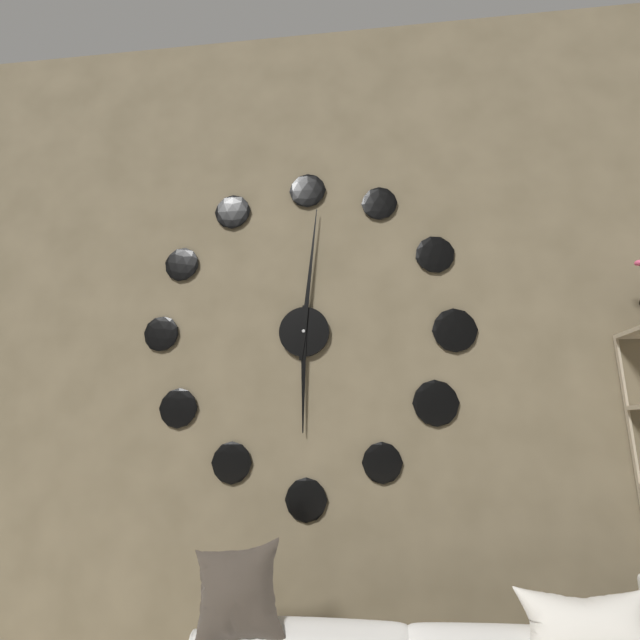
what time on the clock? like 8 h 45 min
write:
6 h 01 min
